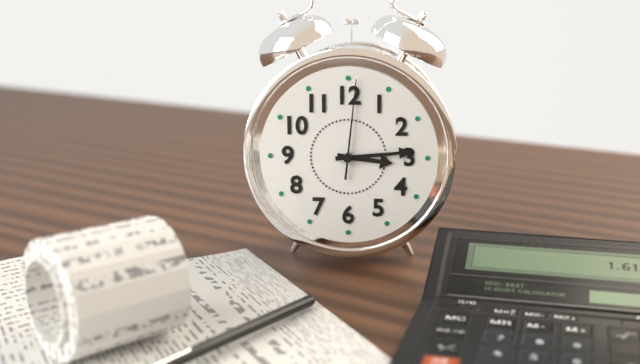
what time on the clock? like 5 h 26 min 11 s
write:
3 h 14 min 01 s
